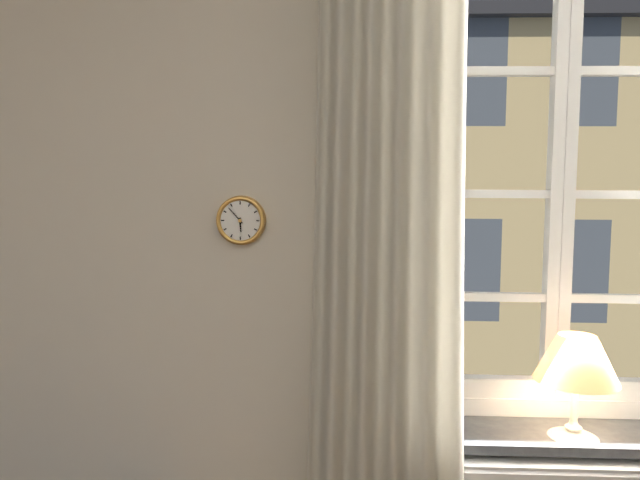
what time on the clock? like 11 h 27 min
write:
5 h 53 min
